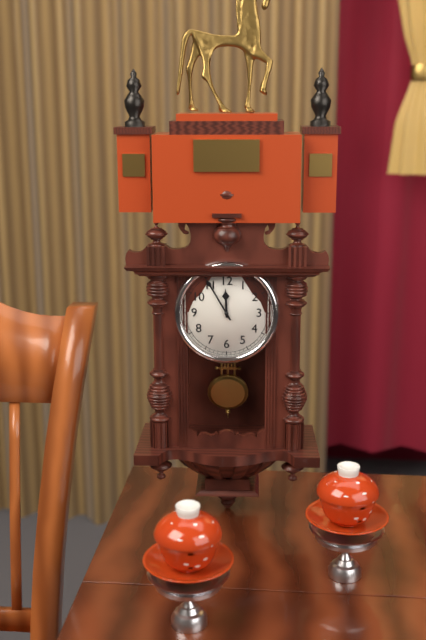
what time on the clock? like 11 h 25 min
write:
11 h 55 min
